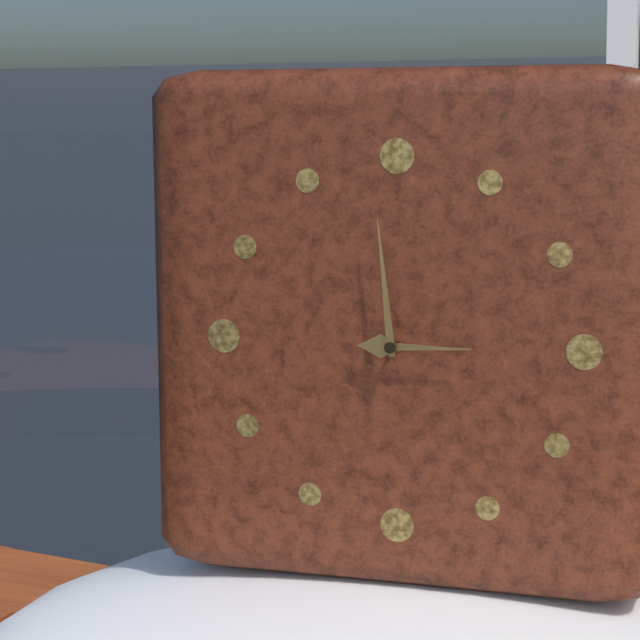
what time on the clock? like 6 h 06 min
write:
2 h 59 min
